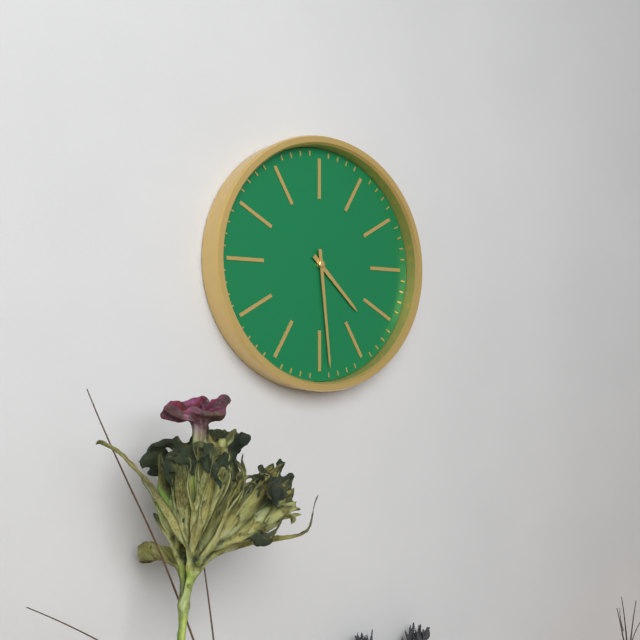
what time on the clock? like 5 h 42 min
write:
4 h 29 min
